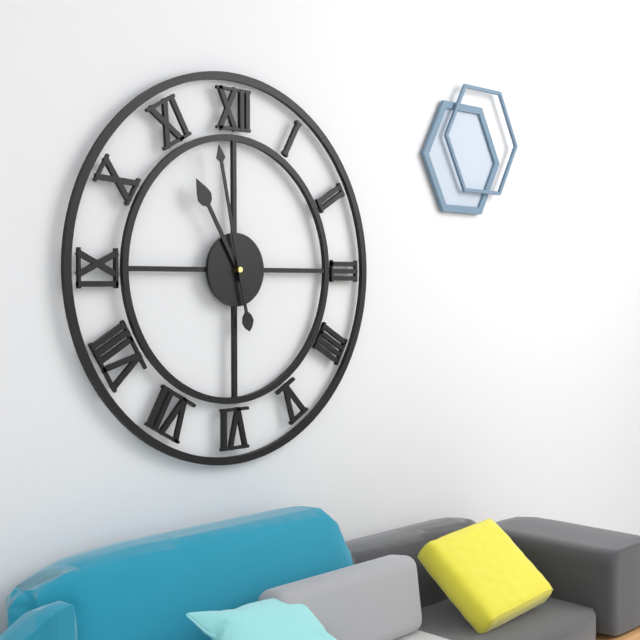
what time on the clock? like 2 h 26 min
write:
10 h 58 min
